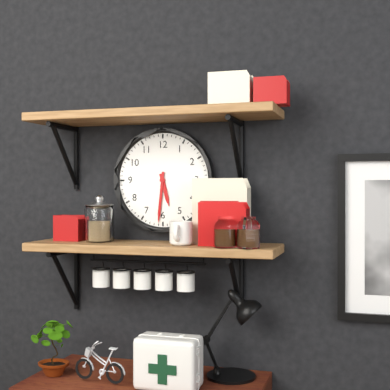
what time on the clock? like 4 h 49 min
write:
5 h 31 min
